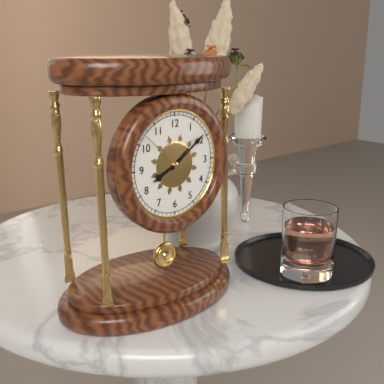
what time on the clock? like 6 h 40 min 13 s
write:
8 h 09 min 52 s
